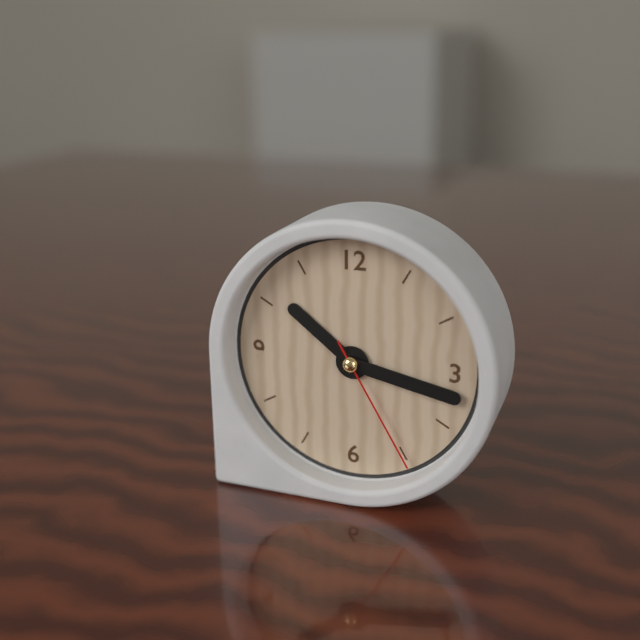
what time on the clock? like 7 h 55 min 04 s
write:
10 h 17 min 25 s
